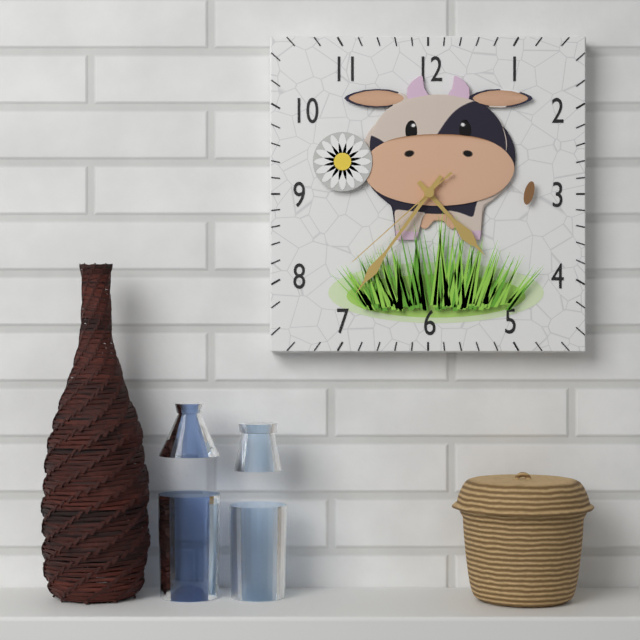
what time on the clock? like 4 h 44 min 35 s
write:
4 h 36 min 38 s
